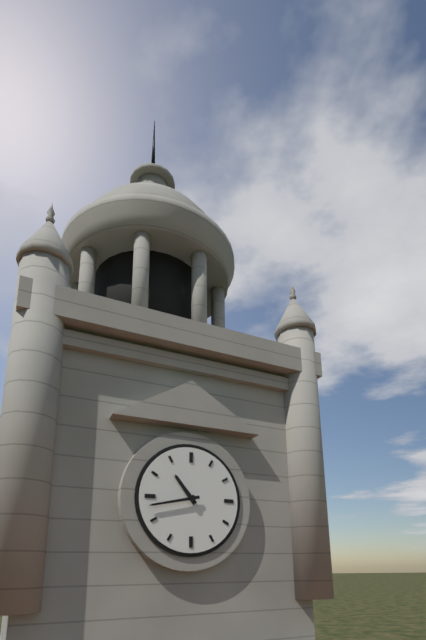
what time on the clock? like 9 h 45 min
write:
10 h 43 min
